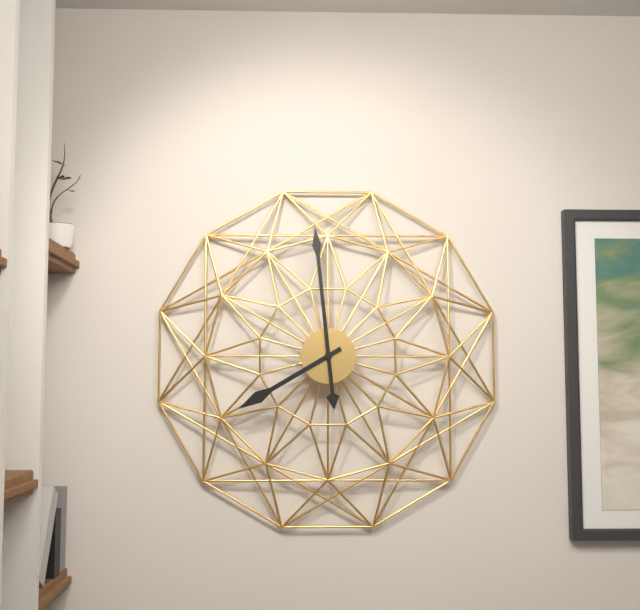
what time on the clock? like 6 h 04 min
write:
7 h 59 min
